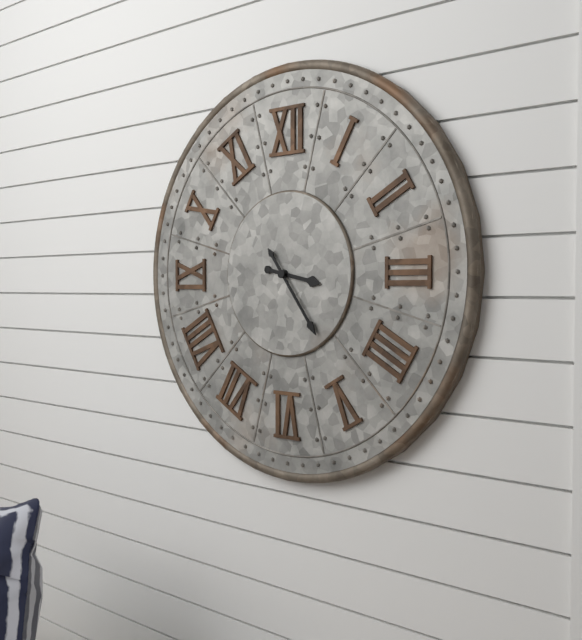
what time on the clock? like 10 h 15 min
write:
3 h 24 min
